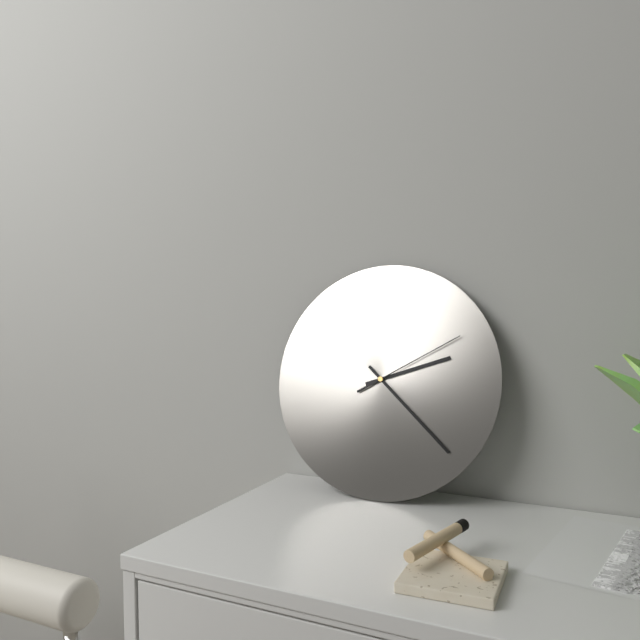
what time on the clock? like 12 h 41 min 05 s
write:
2 h 22 min 10 s
